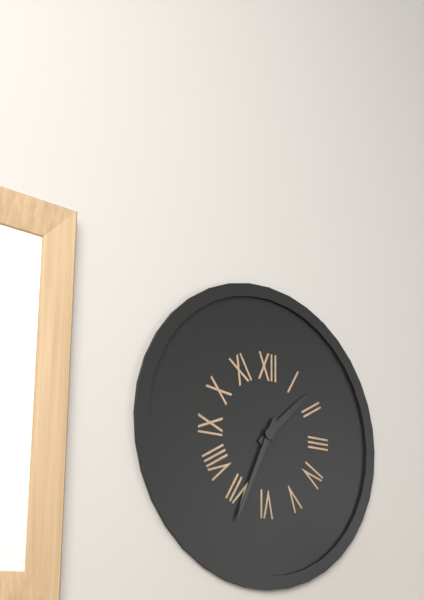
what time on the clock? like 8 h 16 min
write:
1 h 34 min
